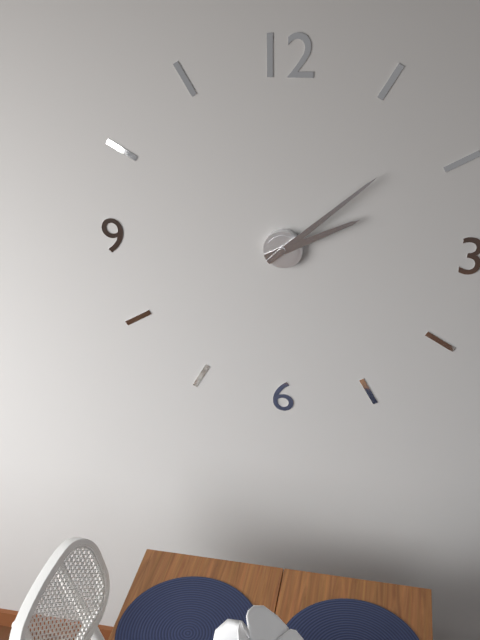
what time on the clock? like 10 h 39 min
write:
2 h 08 min
